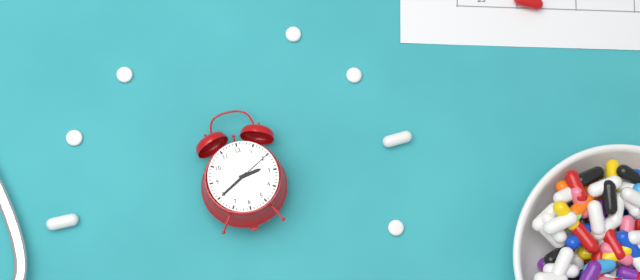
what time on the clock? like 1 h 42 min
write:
2 h 40 min
